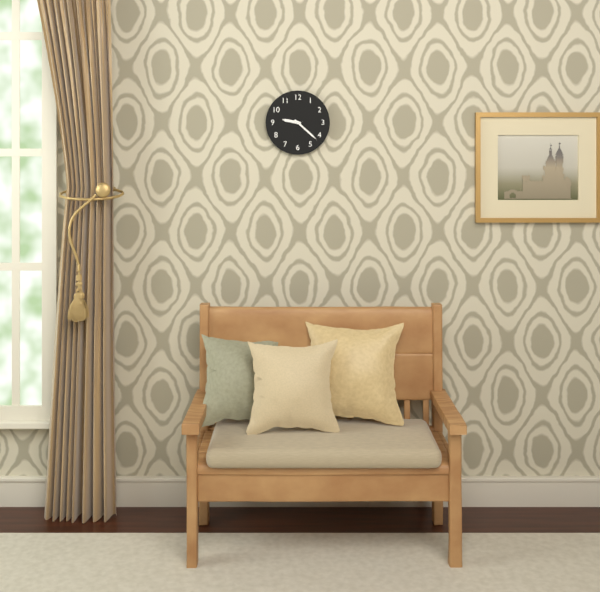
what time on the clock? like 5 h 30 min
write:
9 h 22 min
